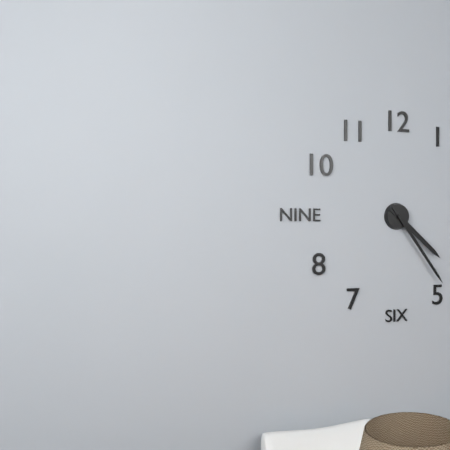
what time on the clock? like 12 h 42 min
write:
4 h 24 min
